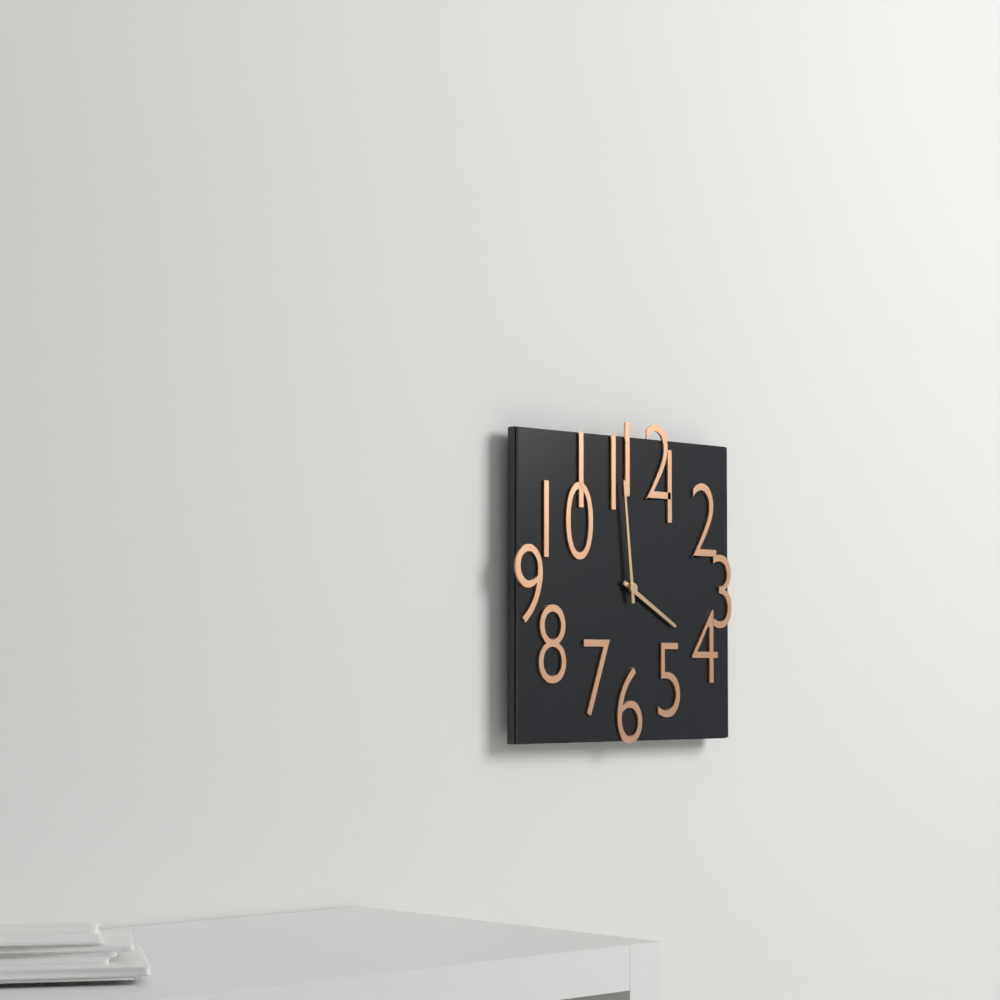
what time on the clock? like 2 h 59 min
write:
3 h 59 min
